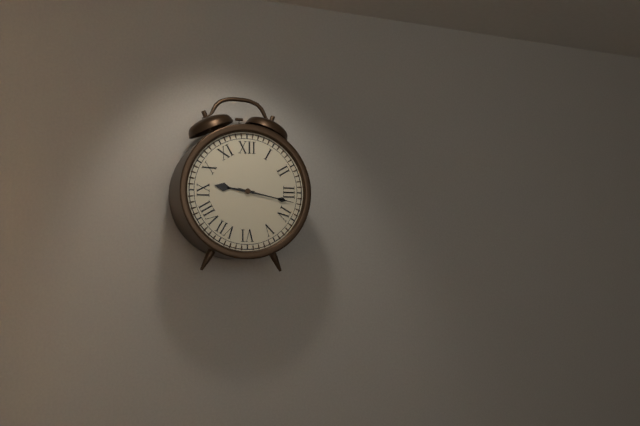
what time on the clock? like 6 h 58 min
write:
9 h 17 min
